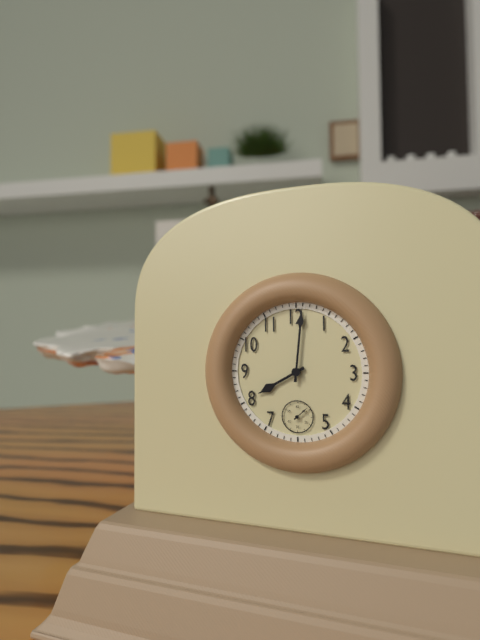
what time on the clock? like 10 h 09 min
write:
8 h 01 min
